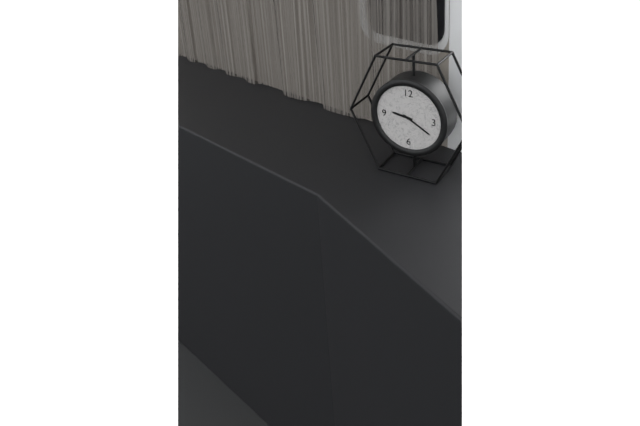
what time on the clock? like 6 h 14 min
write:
9 h 20 min
